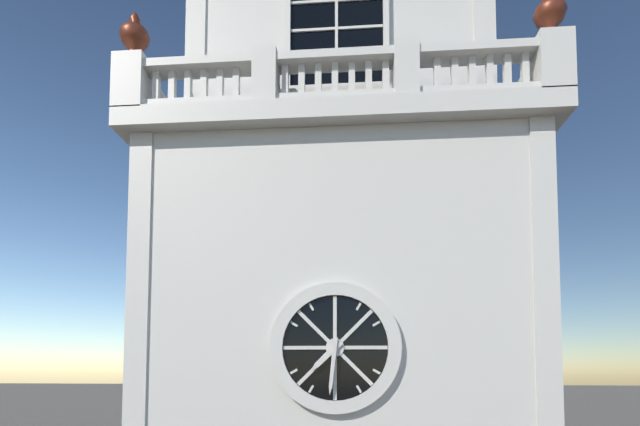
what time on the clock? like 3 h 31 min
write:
7 h 31 min
